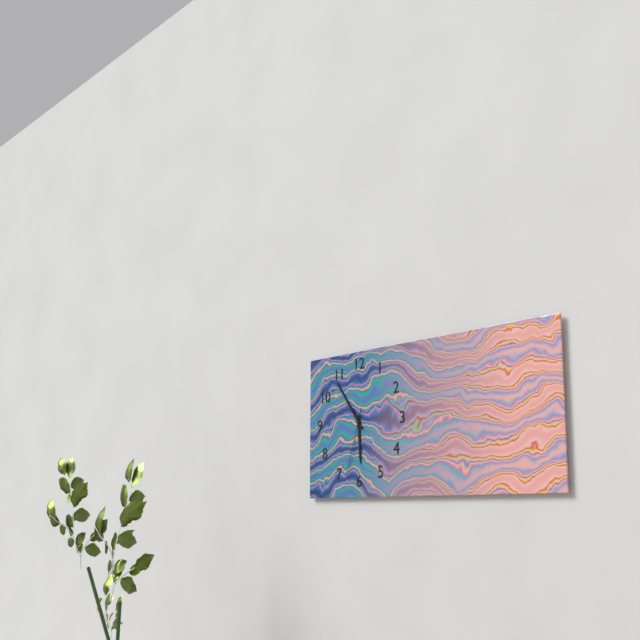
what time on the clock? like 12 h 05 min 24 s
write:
5 h 54 min 33 s
